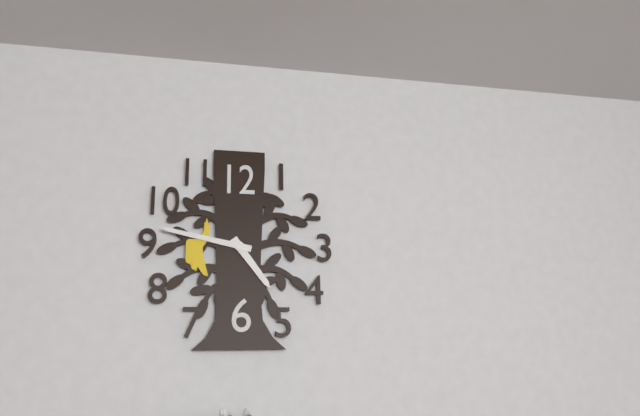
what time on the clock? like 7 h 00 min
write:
4 h 47 min
